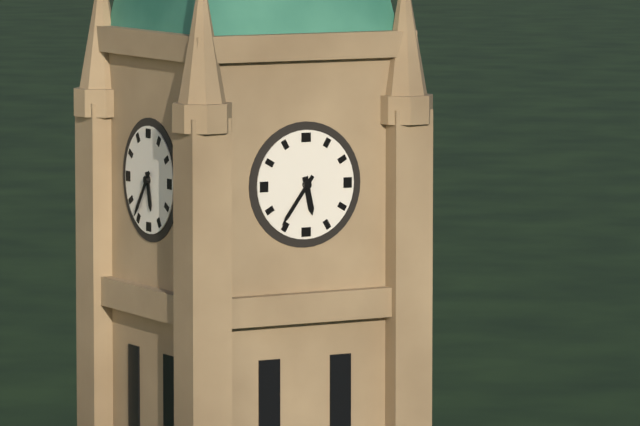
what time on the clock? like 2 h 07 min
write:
5 h 36 min
